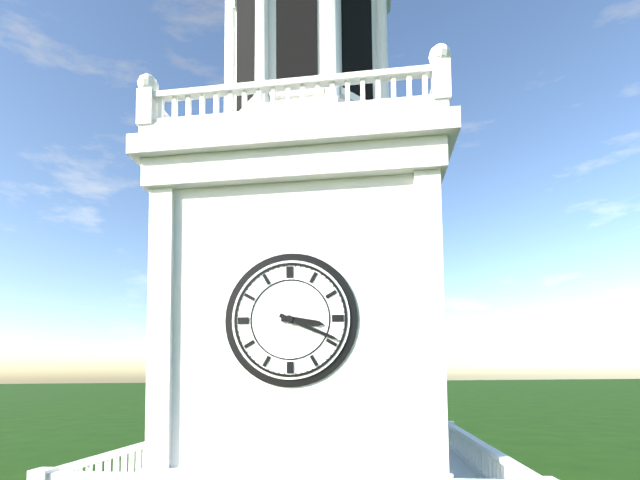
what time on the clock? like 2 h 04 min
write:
3 h 19 min
